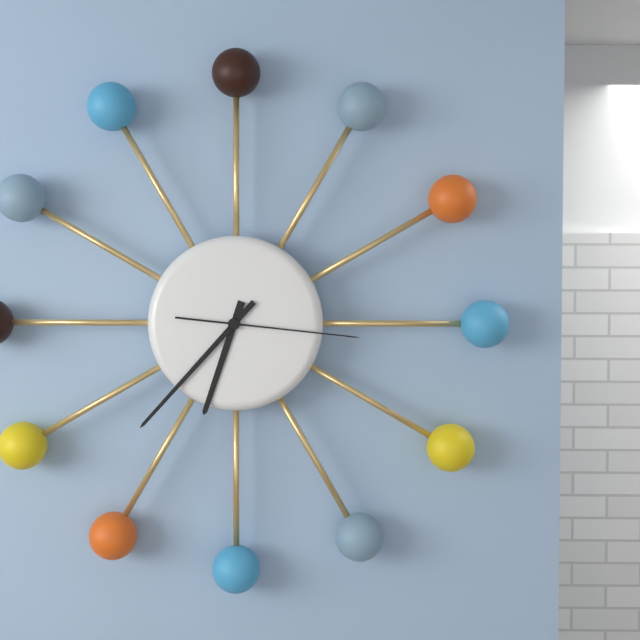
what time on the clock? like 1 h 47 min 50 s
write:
6 h 37 min 16 s
